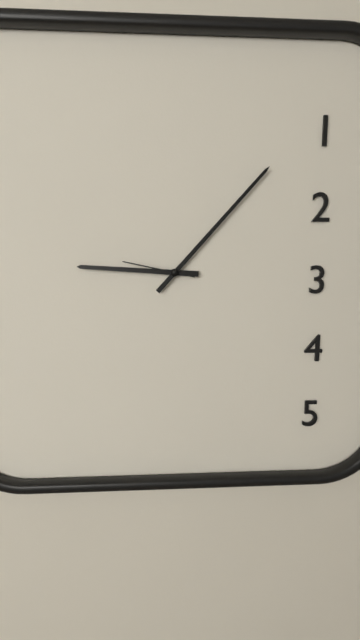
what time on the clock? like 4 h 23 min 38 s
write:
9 h 07 min 47 s
